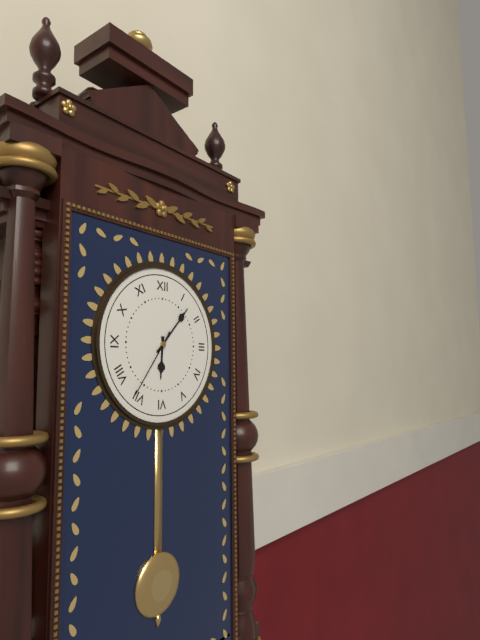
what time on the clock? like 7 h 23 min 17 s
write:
6 h 07 min 36 s
